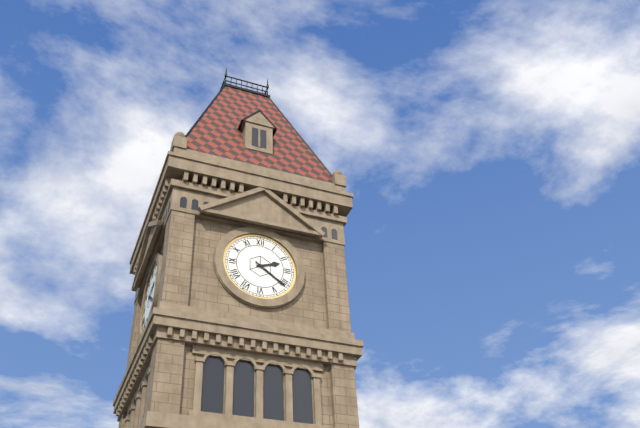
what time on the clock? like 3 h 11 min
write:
2 h 21 min
